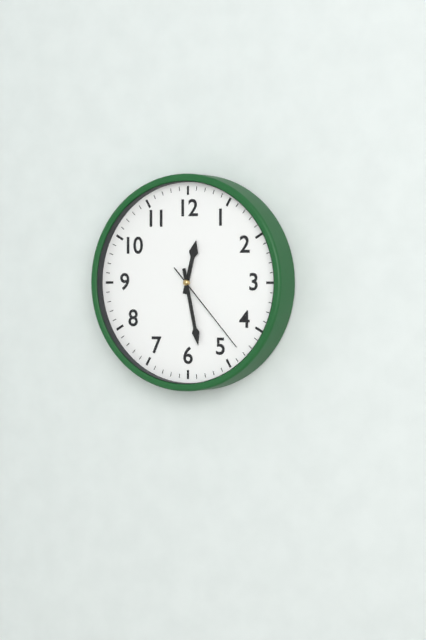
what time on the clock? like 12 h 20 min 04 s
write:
12 h 28 min 23 s
